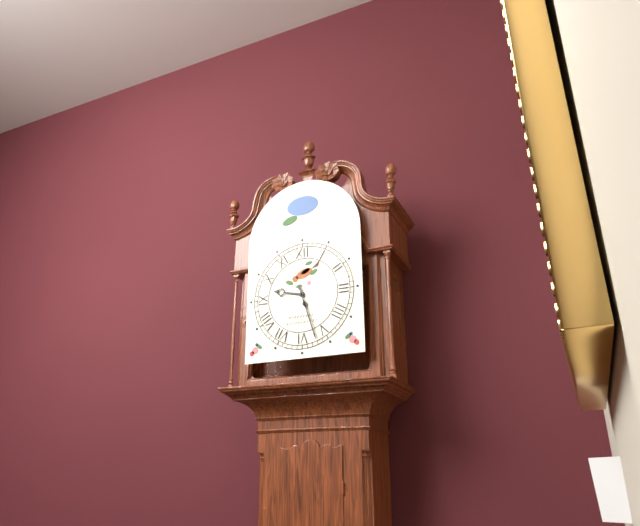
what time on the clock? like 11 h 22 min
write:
9 h 27 min
